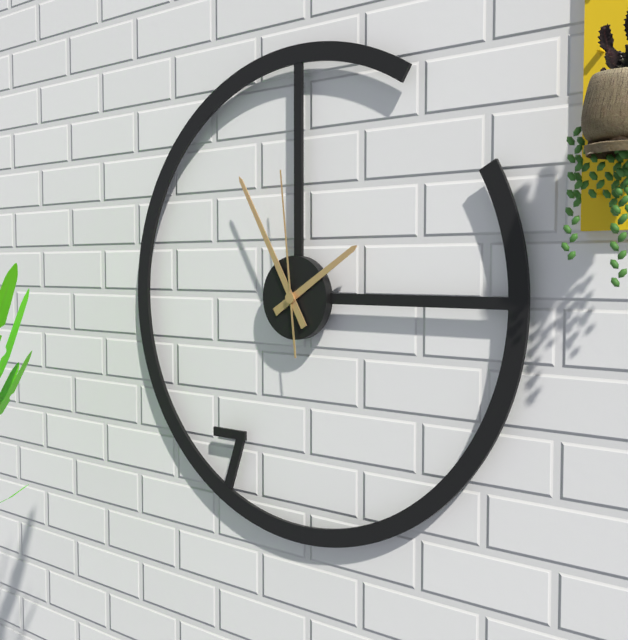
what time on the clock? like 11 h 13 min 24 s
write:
1 h 55 min 59 s
